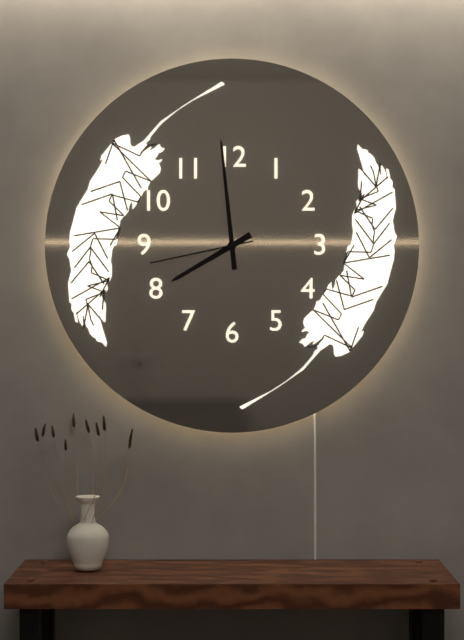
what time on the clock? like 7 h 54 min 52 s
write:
7 h 59 min 43 s
